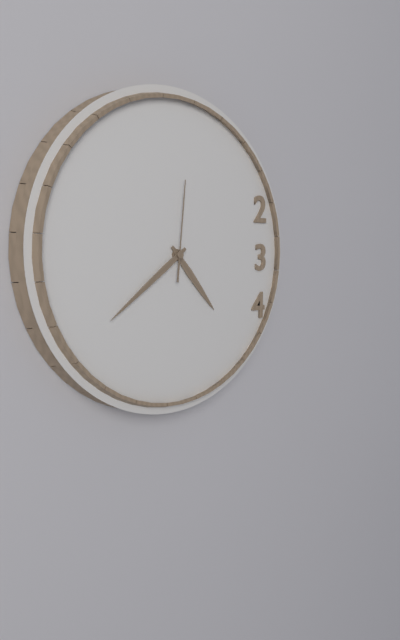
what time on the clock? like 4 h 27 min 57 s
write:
4 h 39 min 01 s
